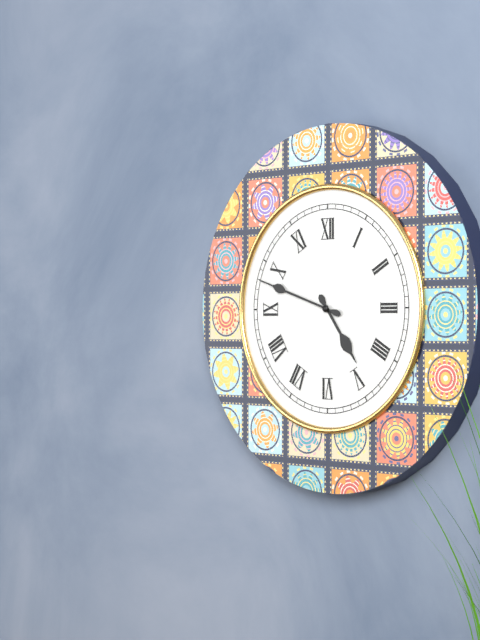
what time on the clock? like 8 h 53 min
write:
4 h 48 min
